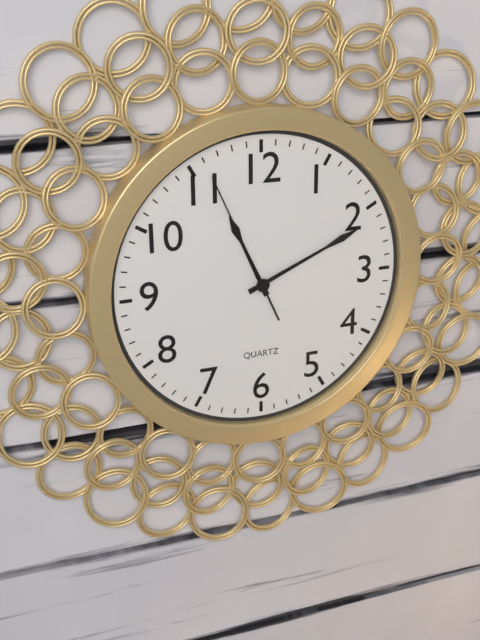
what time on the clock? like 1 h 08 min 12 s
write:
11 h 11 min 56 s
